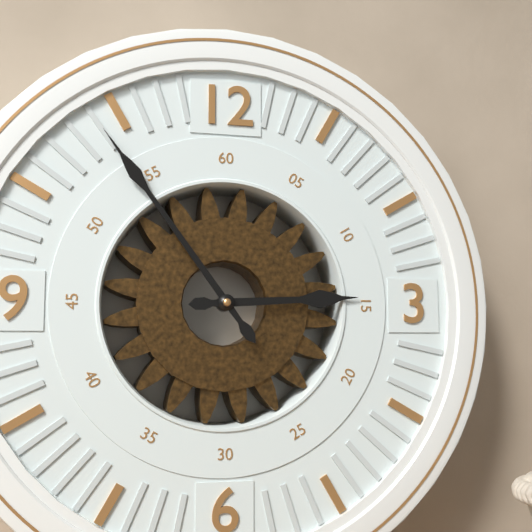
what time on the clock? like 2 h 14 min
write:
2 h 54 min
